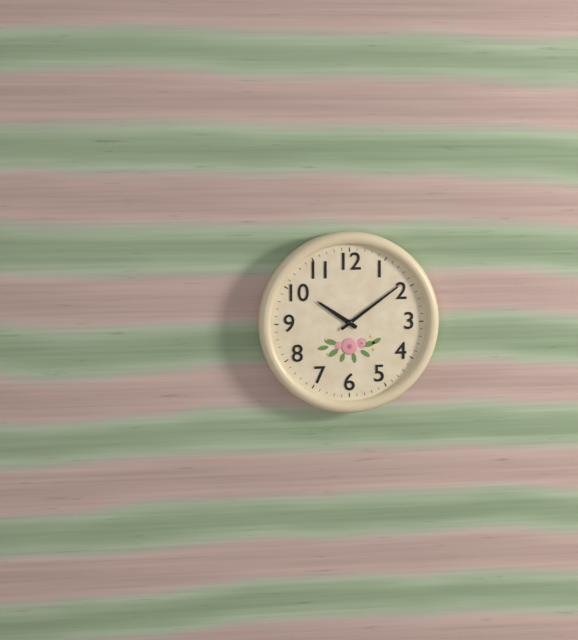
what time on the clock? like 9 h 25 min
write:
10 h 09 min
